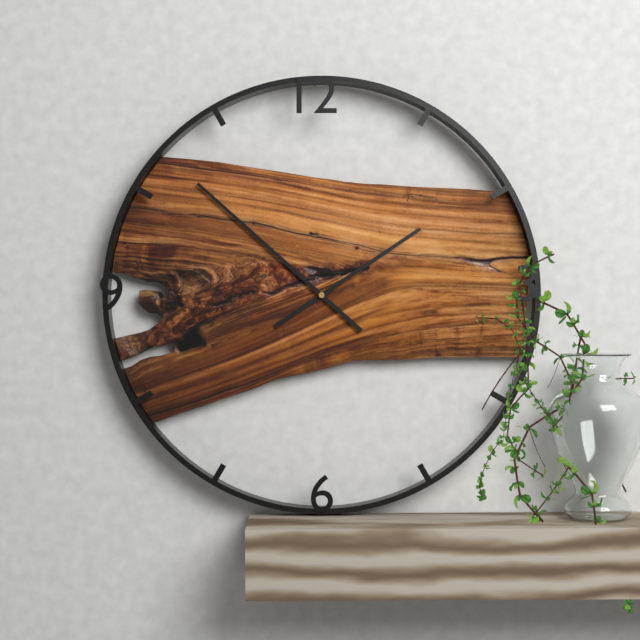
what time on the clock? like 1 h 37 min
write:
1 h 52 min
